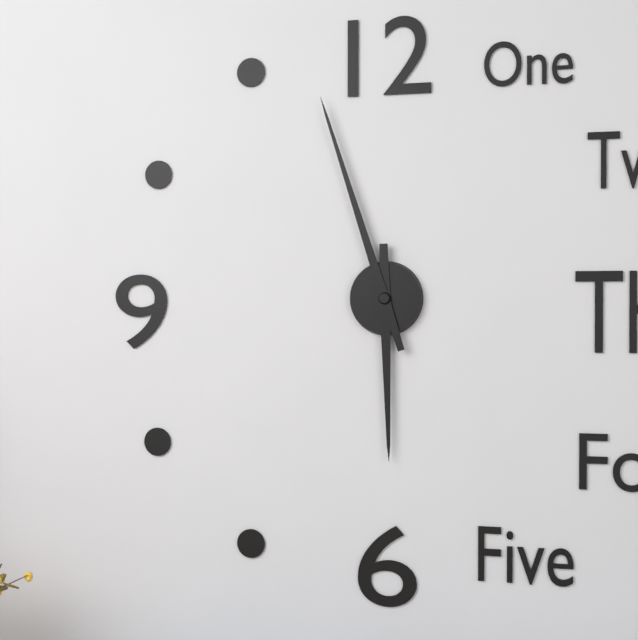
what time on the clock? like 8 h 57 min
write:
5 h 57 min
